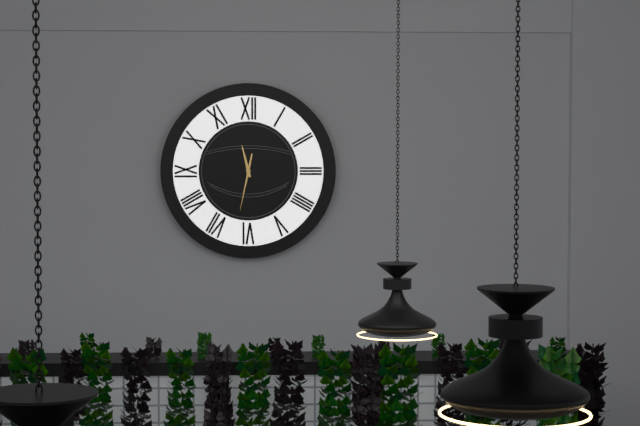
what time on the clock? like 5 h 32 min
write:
11 h 32 min
